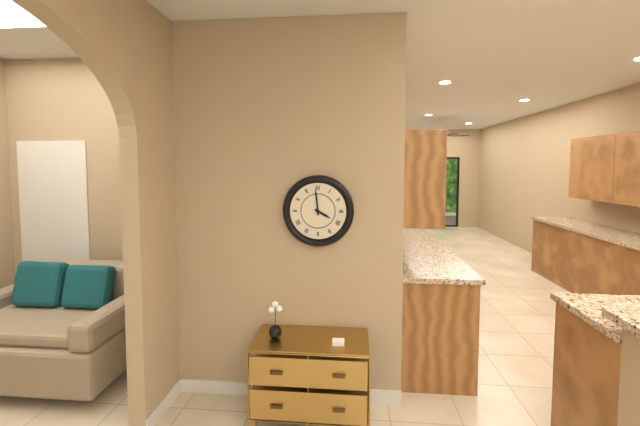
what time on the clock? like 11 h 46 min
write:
3 h 59 min
